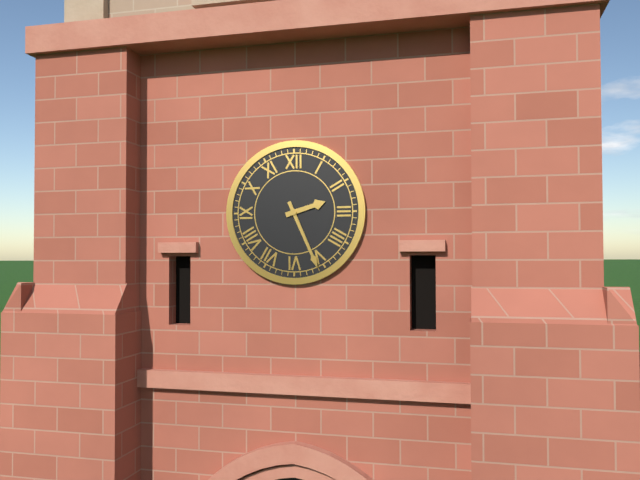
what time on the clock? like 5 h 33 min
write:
2 h 26 min
